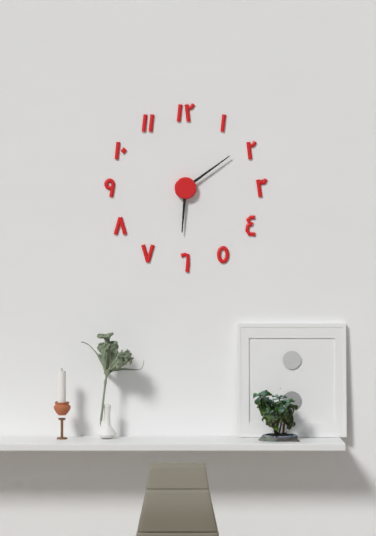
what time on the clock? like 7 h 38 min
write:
6 h 09 min
